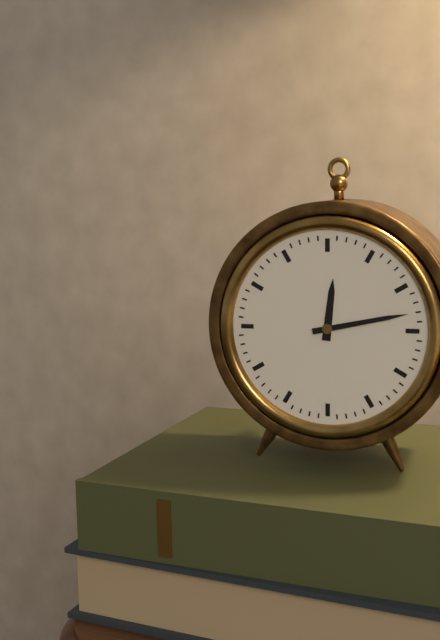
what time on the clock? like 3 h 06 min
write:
12 h 13 min
